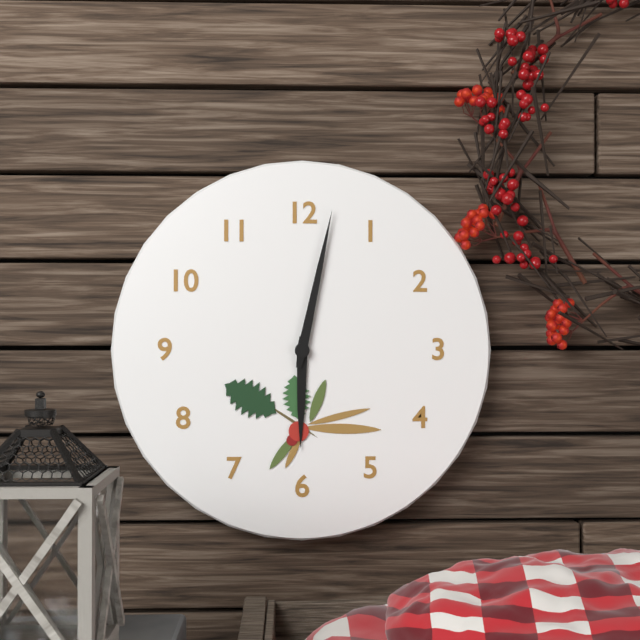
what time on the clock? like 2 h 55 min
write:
6 h 02 min
